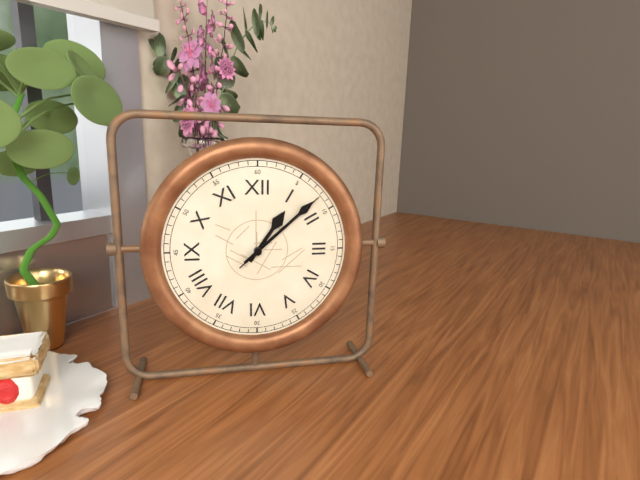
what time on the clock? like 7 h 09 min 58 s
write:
1 h 08 min 08 s
